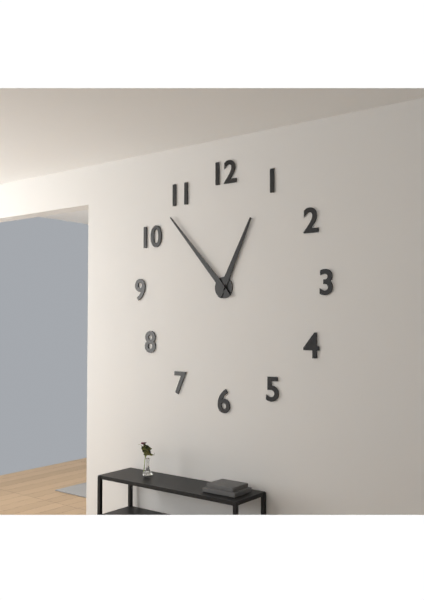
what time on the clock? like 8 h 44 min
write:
12 h 53 min
